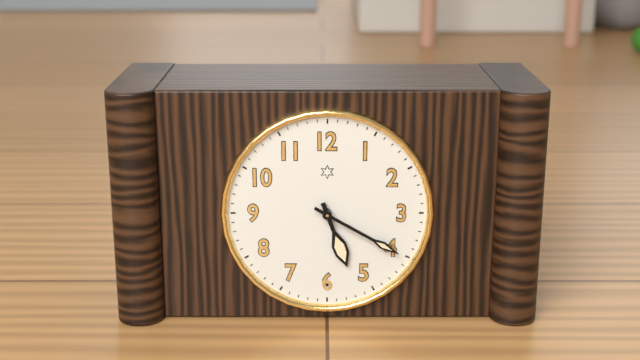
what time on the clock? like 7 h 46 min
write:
5 h 20 min
